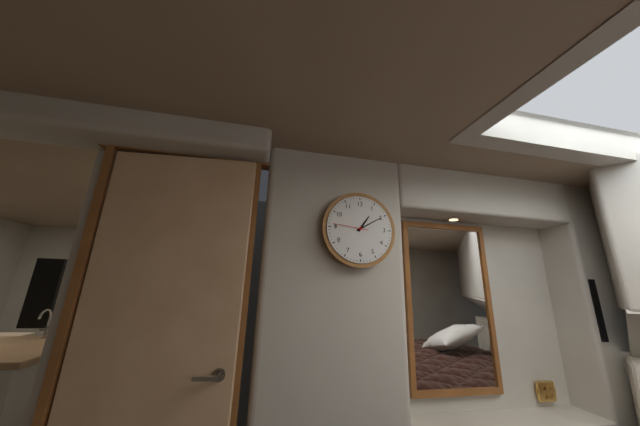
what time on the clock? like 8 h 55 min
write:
1 h 10 min
